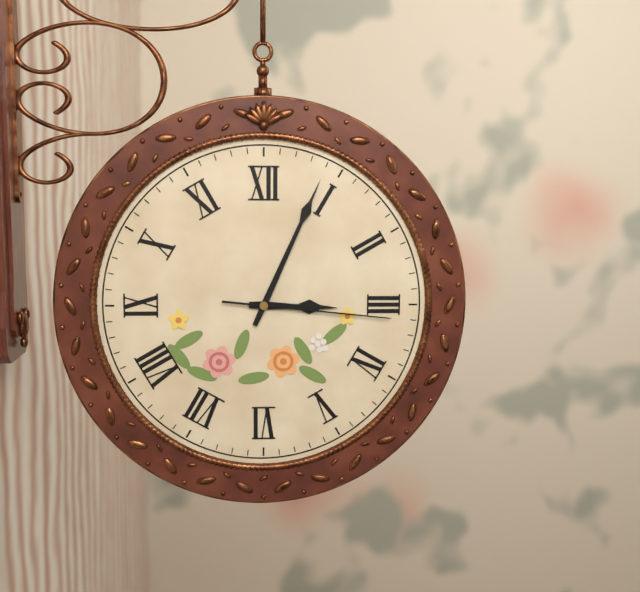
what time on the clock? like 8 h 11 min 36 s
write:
3 h 04 min 16 s
